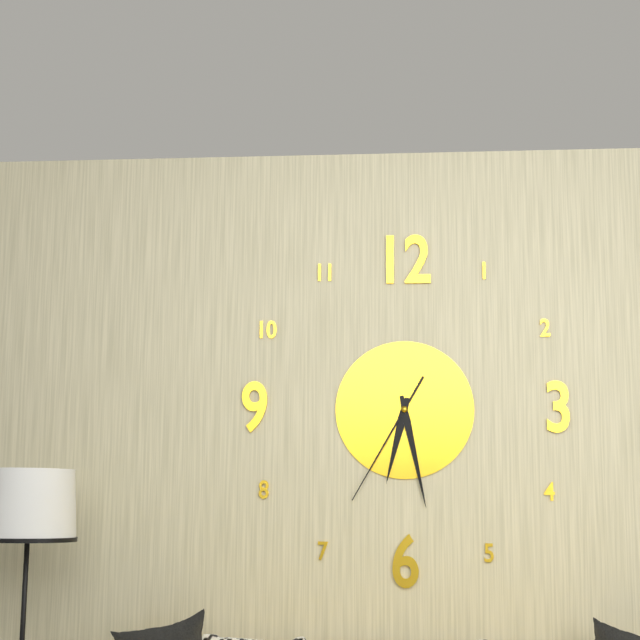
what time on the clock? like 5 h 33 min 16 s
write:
6 h 28 min 35 s
